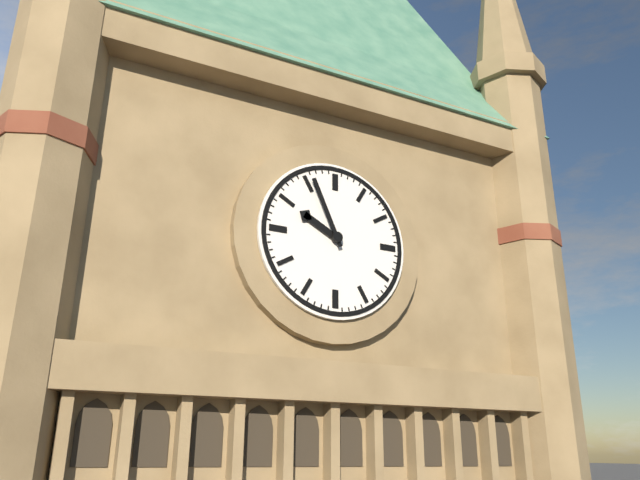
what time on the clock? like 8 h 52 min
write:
9 h 56 min
